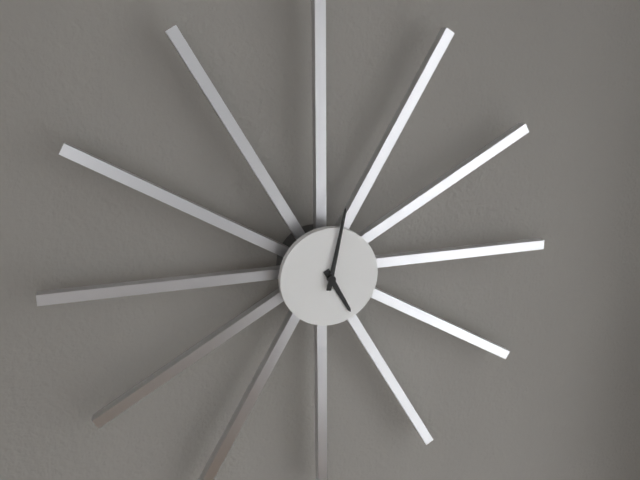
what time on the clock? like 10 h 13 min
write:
5 h 02 min
